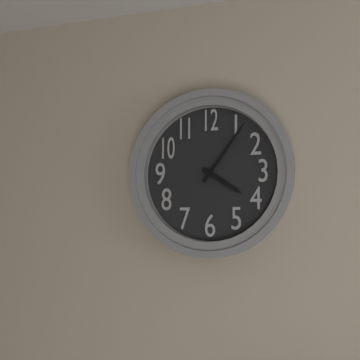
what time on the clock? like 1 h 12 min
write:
4 h 06 min
